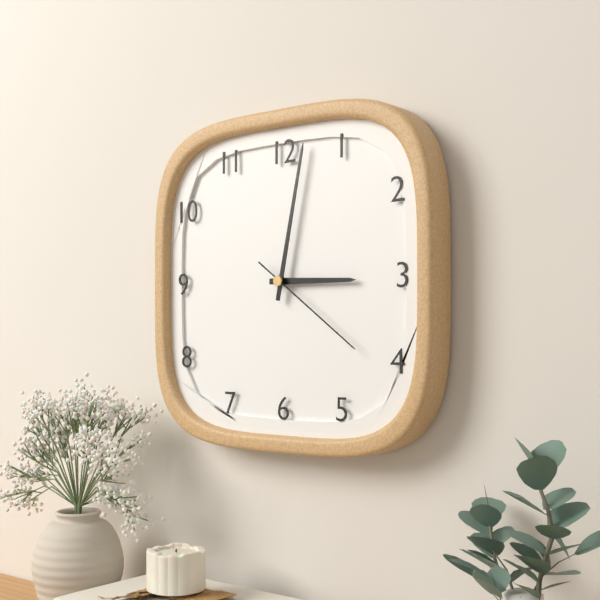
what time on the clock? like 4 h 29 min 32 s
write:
3 h 02 min 21 s
